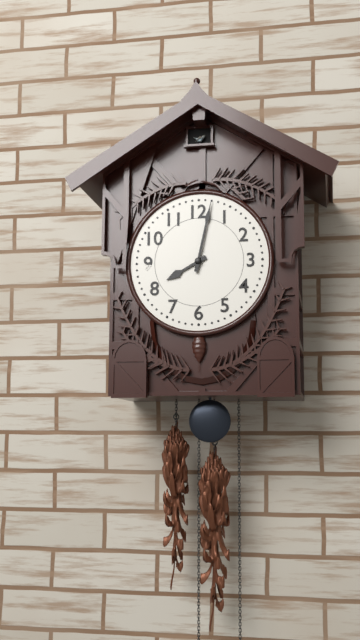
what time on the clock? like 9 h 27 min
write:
8 h 02 min
